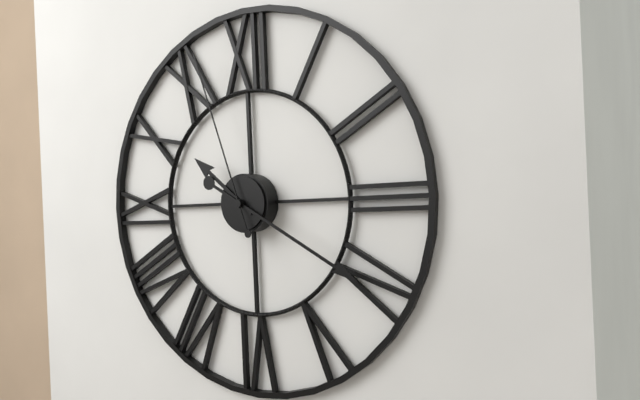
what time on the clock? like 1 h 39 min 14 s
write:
10 h 20 min 57 s
